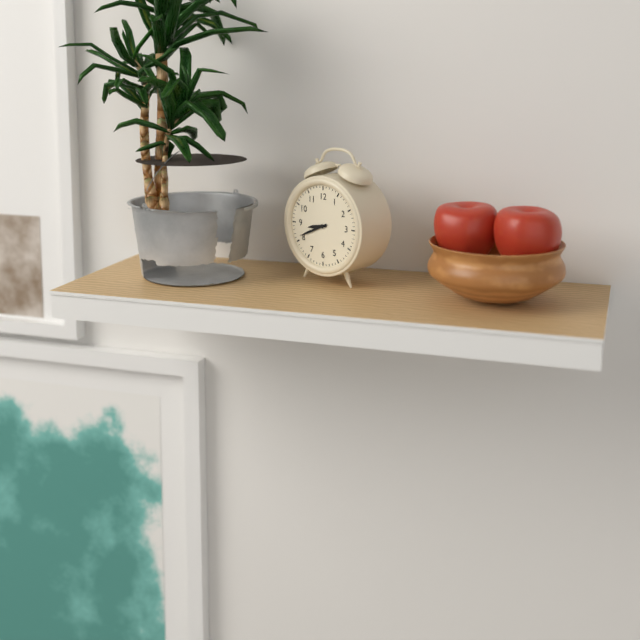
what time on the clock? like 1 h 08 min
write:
8 h 41 min
